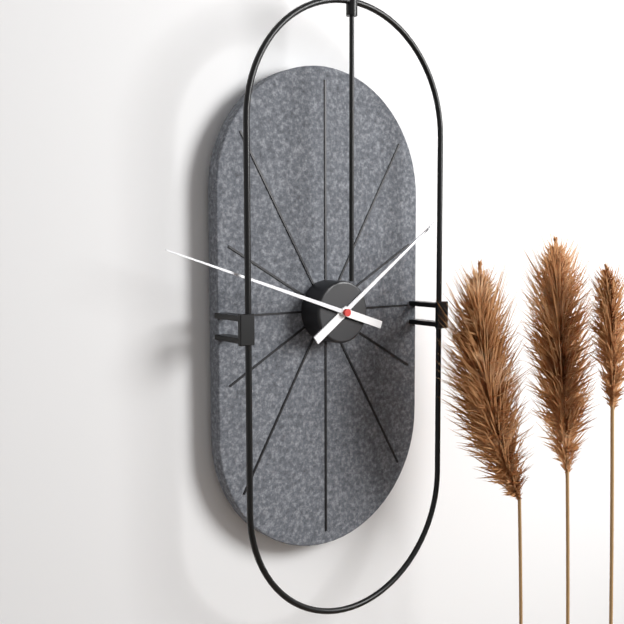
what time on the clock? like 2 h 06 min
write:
1 h 48 min
